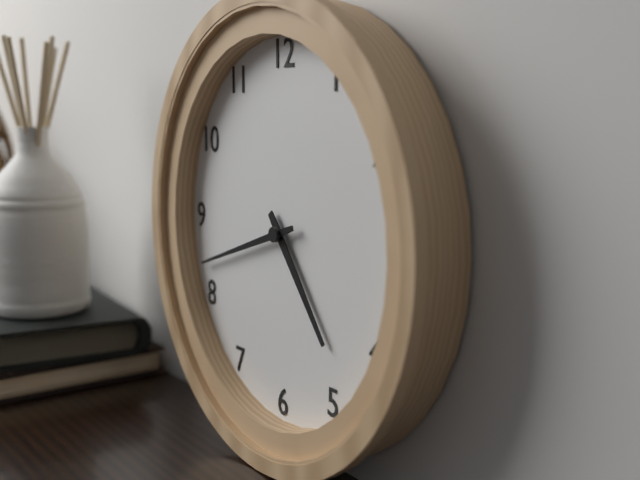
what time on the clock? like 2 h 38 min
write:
4 h 42 min
